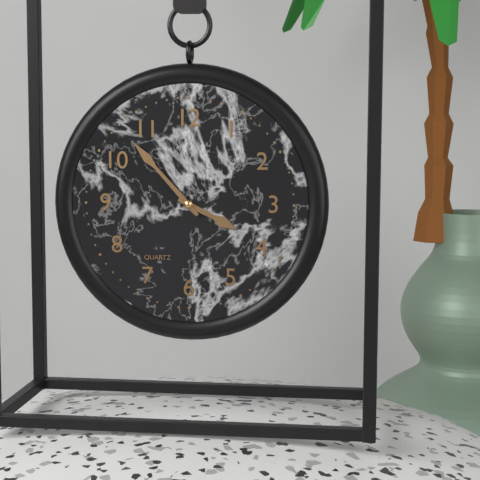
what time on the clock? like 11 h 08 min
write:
3 h 53 min
